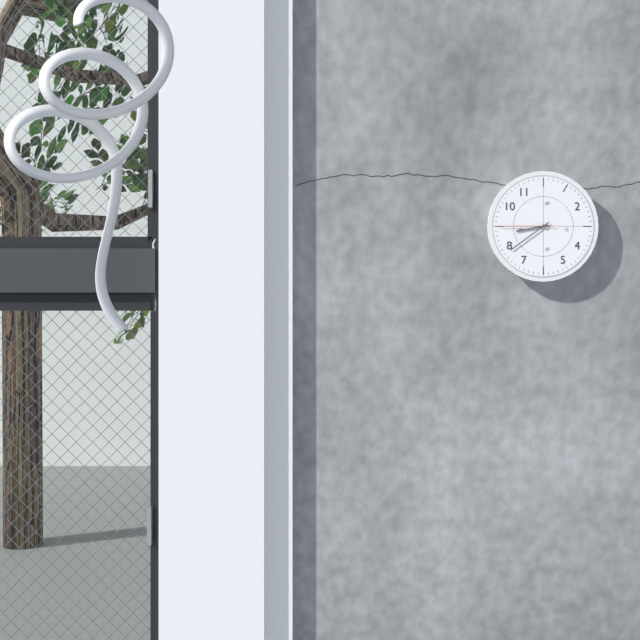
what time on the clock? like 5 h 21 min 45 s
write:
8 h 39 min 45 s
